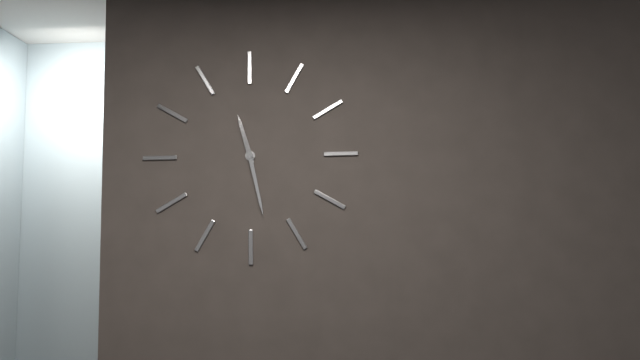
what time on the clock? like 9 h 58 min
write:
11 h 28 min
